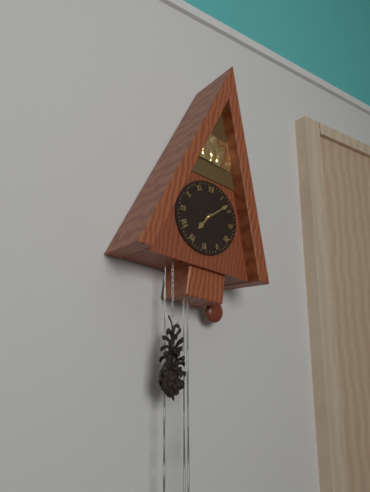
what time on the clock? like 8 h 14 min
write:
7 h 08 min
